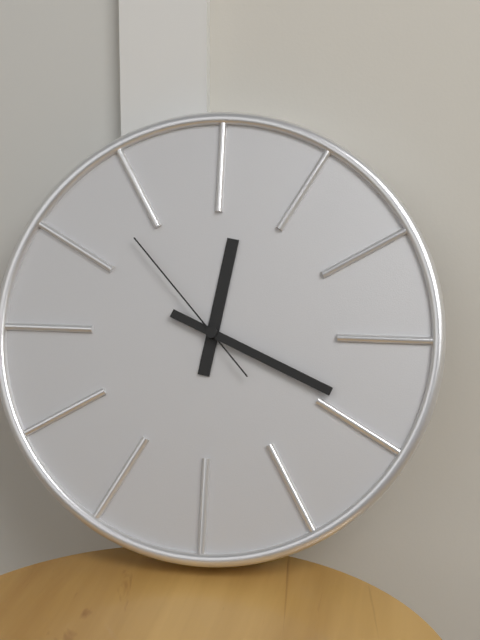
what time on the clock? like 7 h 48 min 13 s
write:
12 h 19 min 53 s
